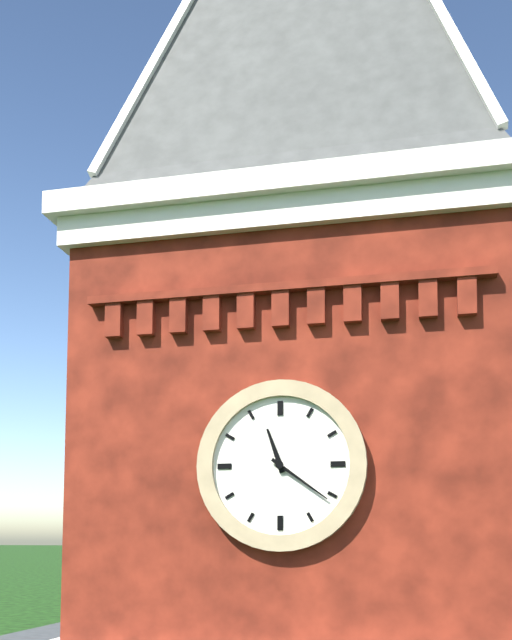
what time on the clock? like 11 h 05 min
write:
11 h 21 min
